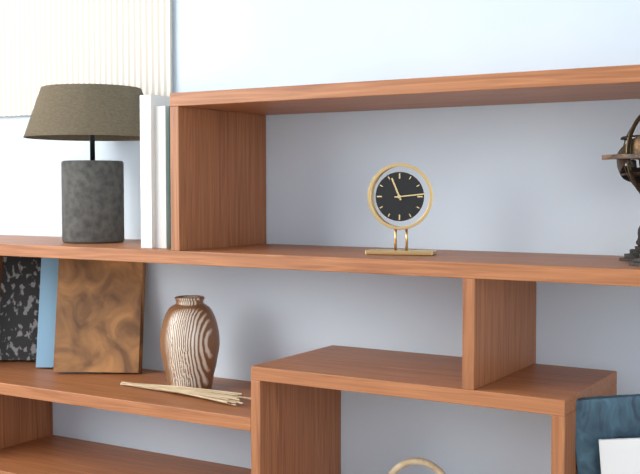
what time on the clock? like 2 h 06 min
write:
11 h 14 min
